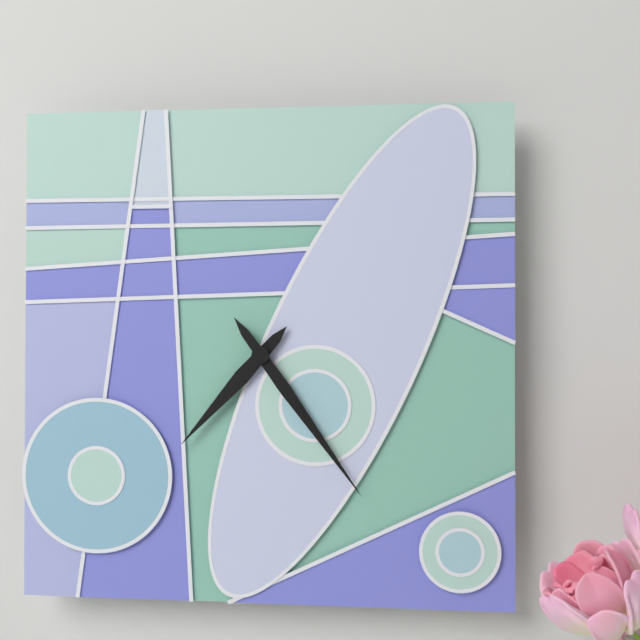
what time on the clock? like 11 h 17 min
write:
7 h 24 min
